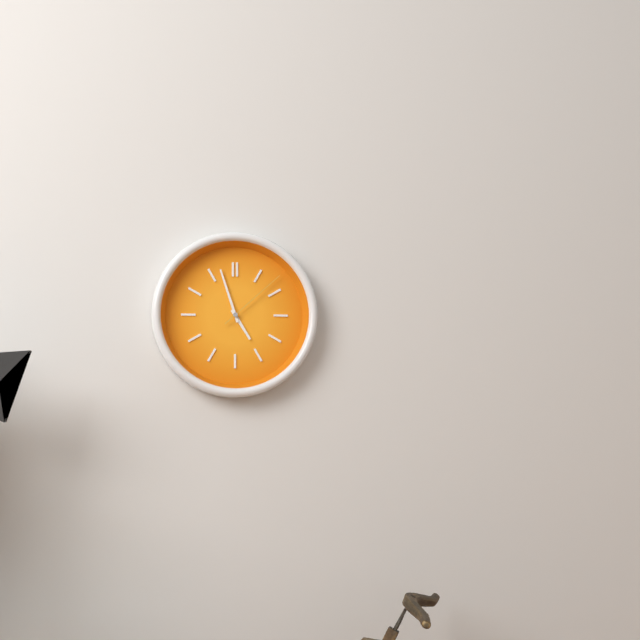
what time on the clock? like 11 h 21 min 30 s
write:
4 h 57 min 08 s
